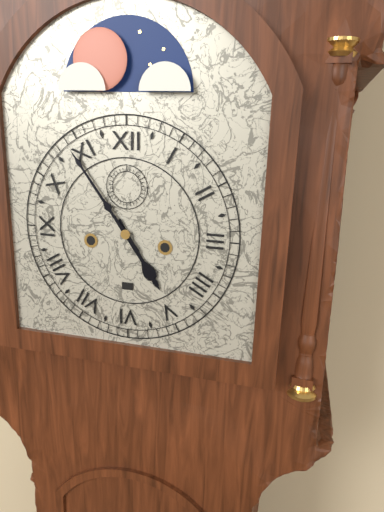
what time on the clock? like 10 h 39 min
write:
4 h 54 min
